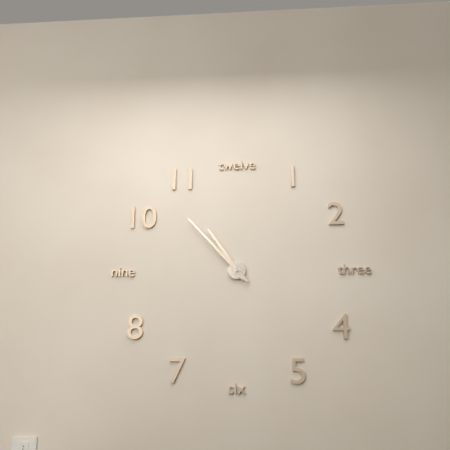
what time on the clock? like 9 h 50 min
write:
10 h 53 min
